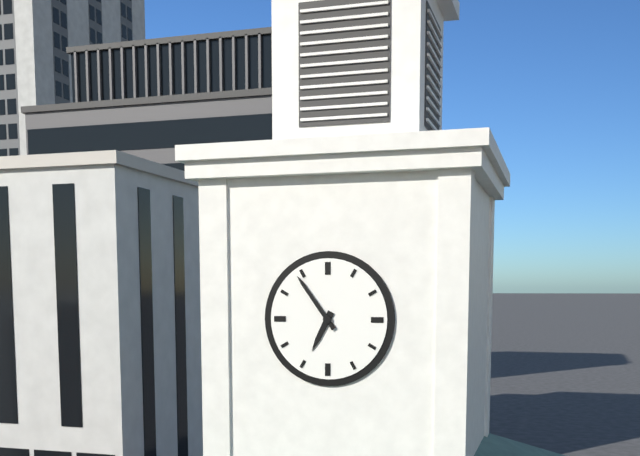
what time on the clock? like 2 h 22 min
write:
6 h 54 min
